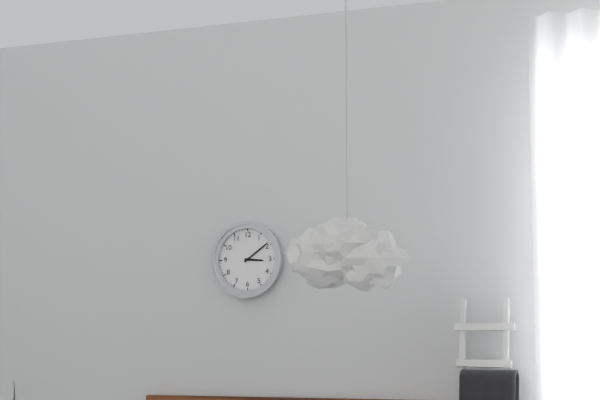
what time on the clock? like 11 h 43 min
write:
3 h 09 min
